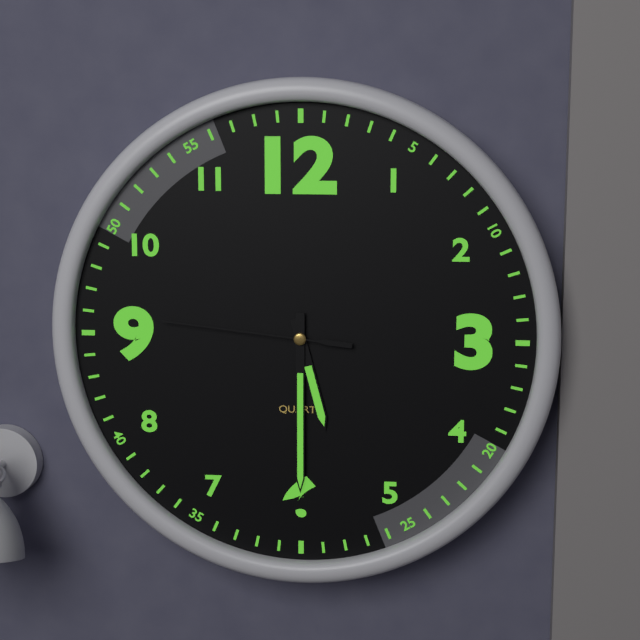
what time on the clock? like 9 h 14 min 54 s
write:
5 h 30 min 46 s
